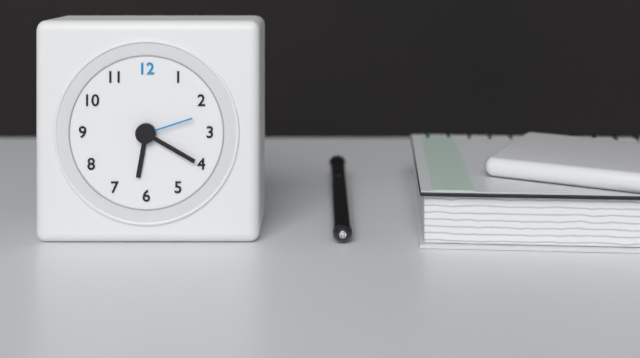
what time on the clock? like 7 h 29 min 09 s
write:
6 h 20 min 12 s
